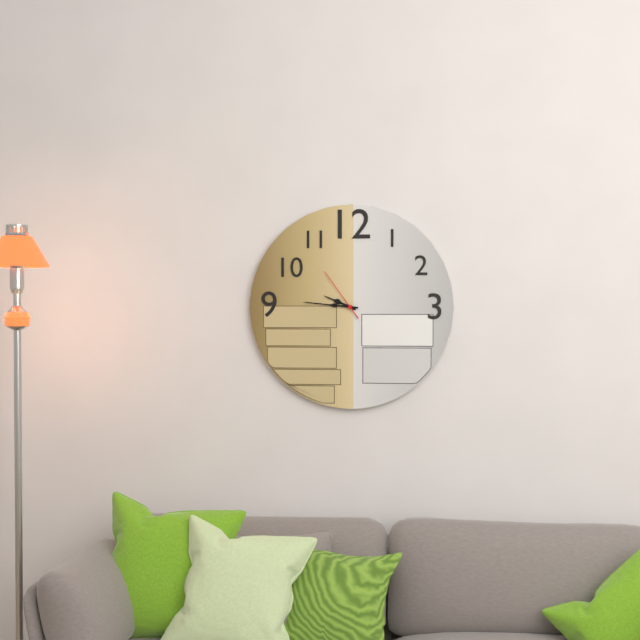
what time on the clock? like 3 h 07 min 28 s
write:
9 h 46 min 54 s
